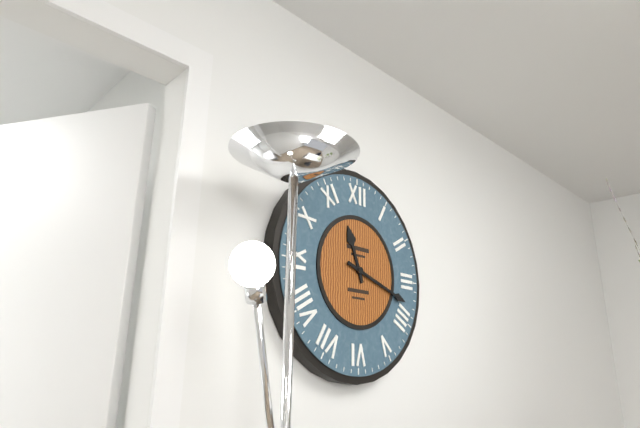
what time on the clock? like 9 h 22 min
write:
11 h 18 min
